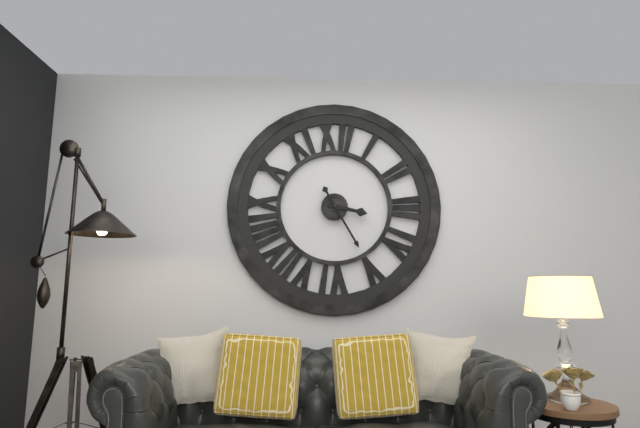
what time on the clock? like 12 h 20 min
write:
3 h 25 min
